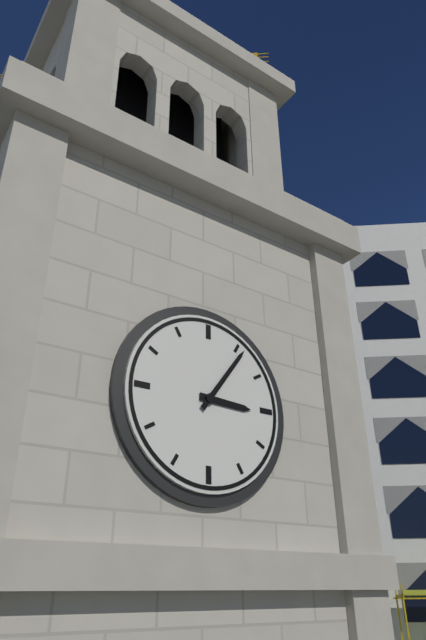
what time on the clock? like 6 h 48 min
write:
3 h 06 min
